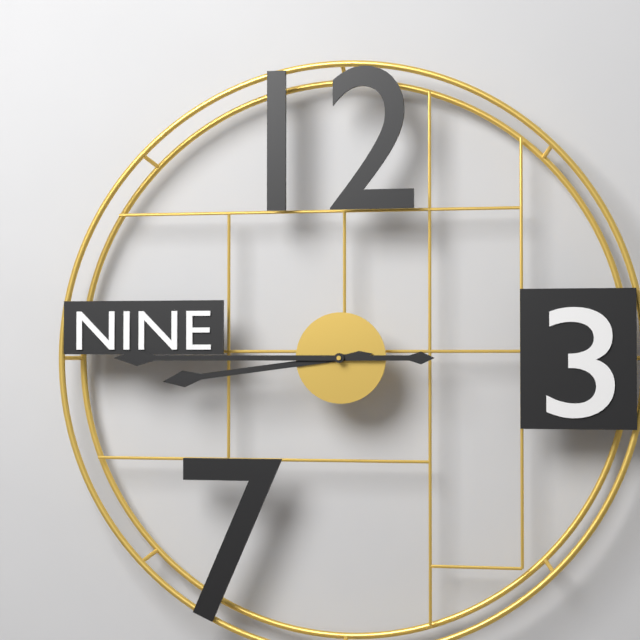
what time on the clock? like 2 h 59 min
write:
8 h 45 min
